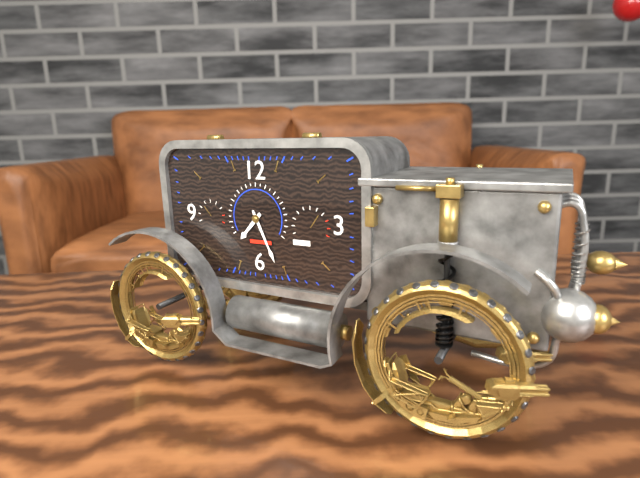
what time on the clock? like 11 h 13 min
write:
7 h 26 min
